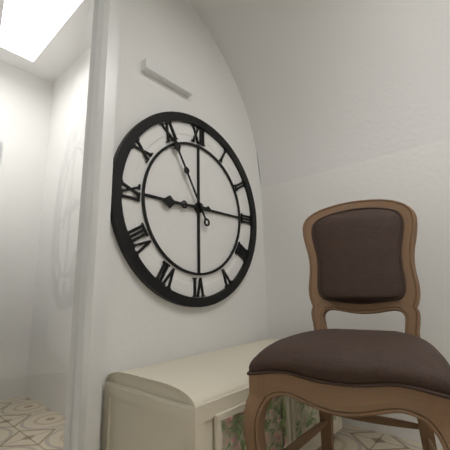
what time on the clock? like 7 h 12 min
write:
8 h 55 min
